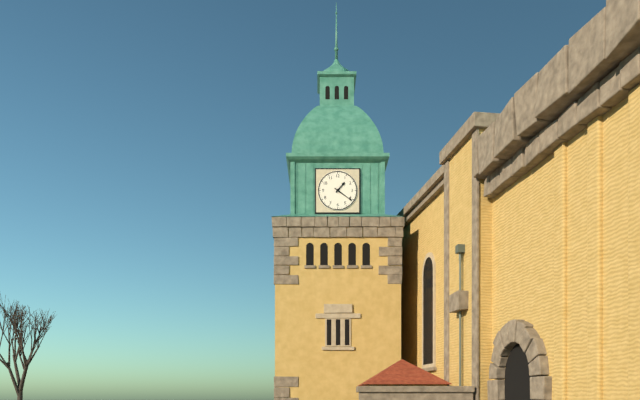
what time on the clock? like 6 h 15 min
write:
1 h 21 min
